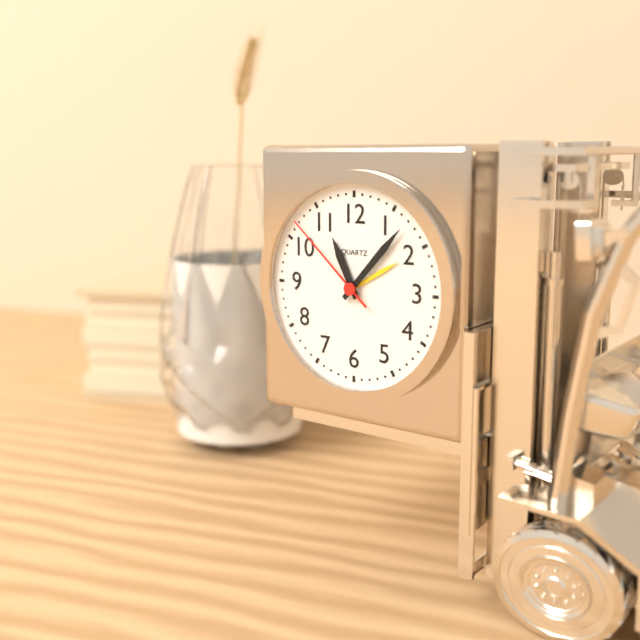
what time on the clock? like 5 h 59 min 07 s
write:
11 h 07 min 52 s
